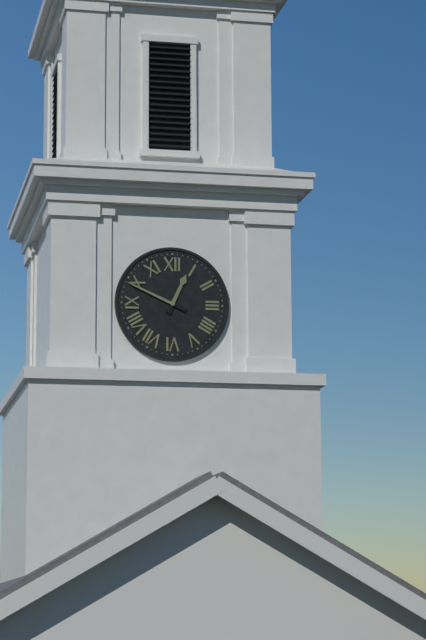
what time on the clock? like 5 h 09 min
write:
12 h 49 min
